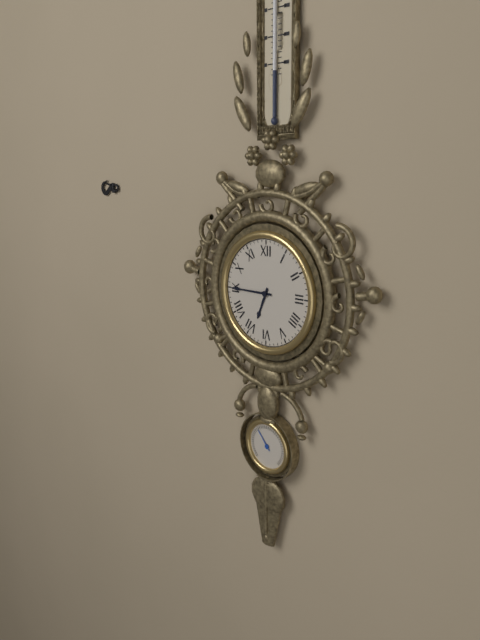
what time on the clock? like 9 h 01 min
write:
6 h 45 min
